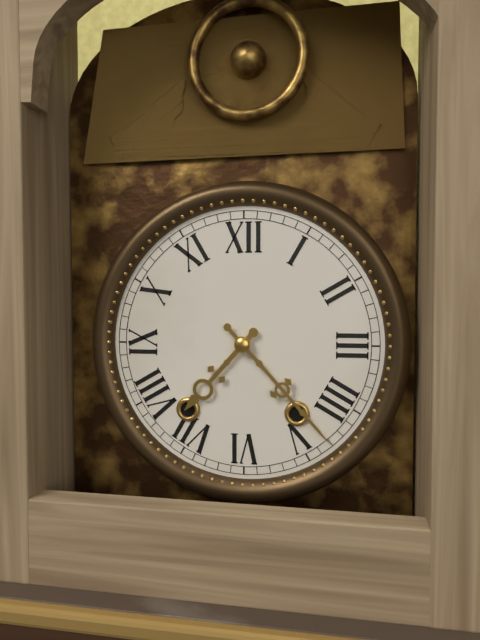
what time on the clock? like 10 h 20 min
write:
7 h 23 min
